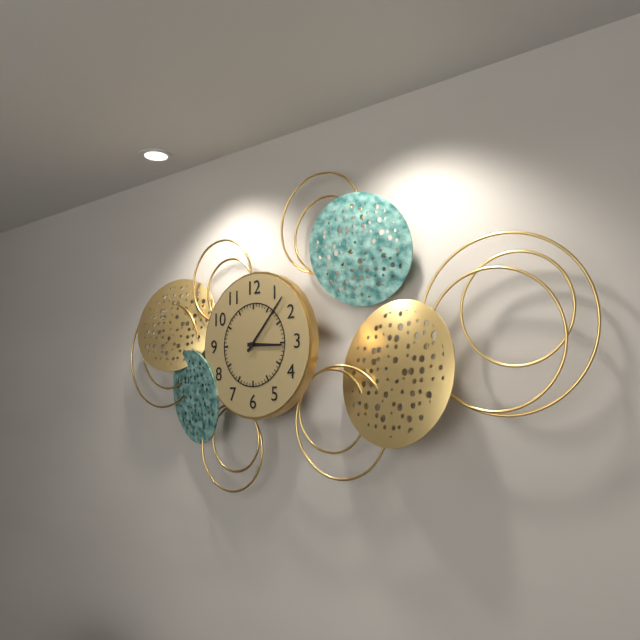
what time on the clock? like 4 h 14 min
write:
3 h 07 min
